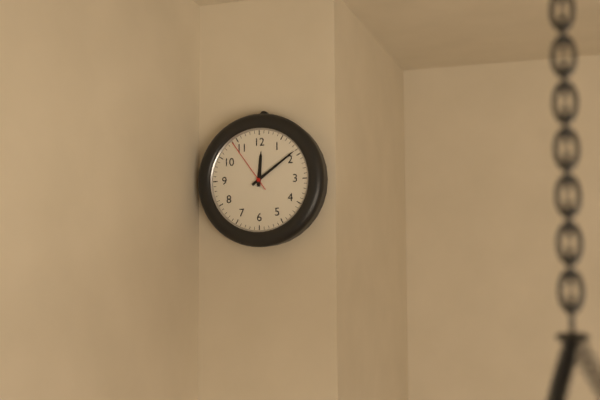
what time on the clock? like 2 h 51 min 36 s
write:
12 h 09 min 54 s
